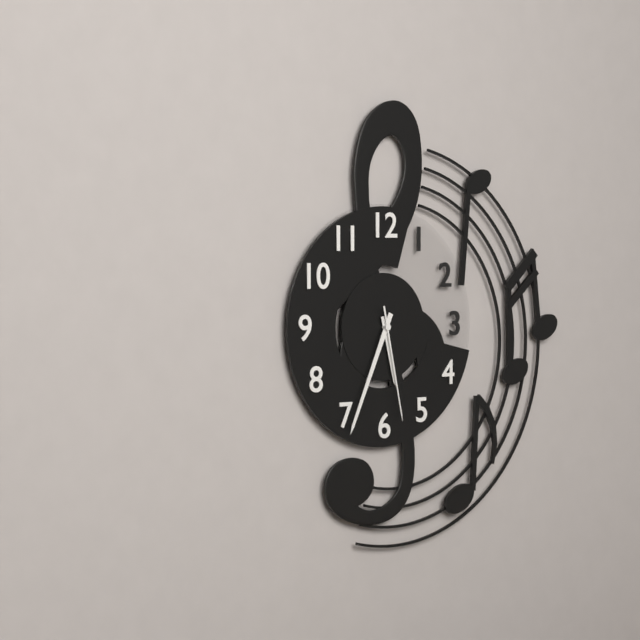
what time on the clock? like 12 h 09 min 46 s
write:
5 h 34 min 28 s
